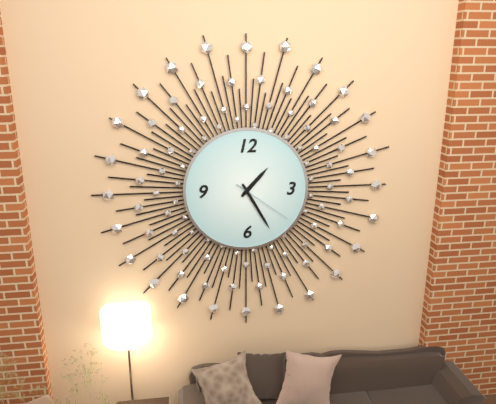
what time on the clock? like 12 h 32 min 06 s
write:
1 h 25 min 21 s
